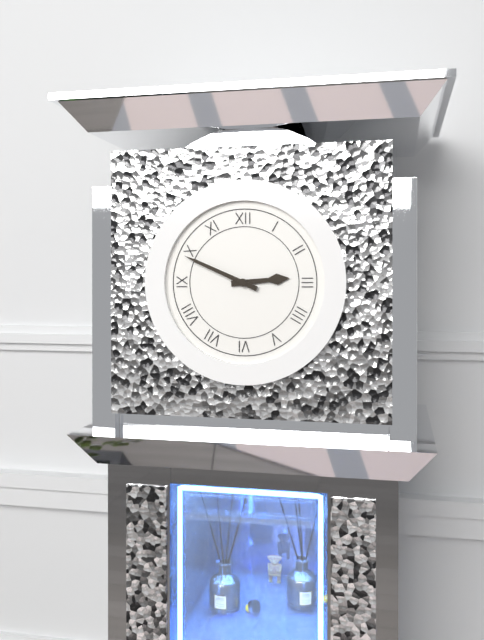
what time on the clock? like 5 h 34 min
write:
2 h 49 min
